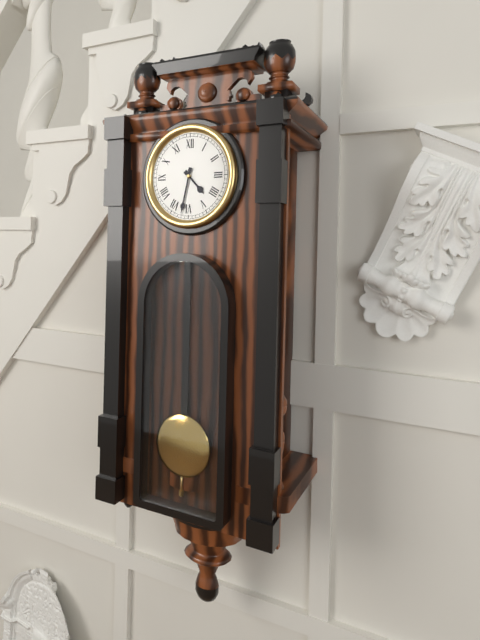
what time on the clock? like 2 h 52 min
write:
4 h 32 min
